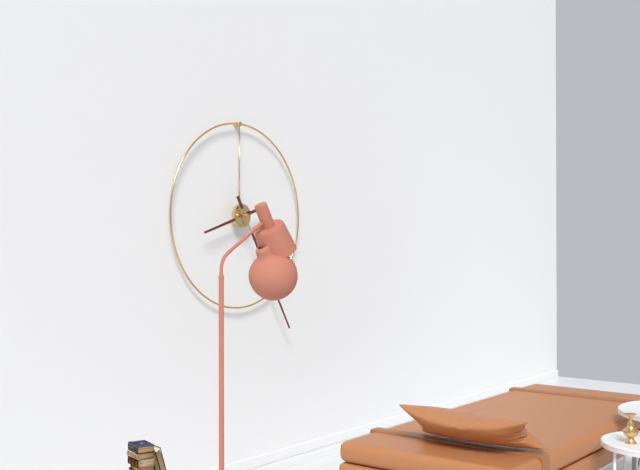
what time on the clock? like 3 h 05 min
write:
8 h 25 min
